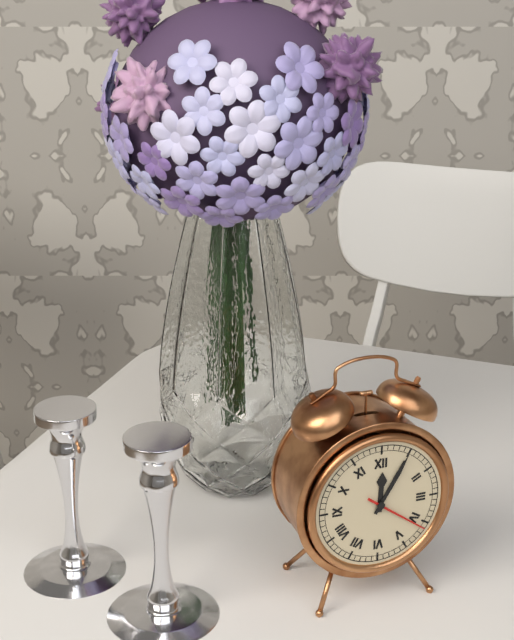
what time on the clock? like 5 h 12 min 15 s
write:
12 h 05 min 21 s
